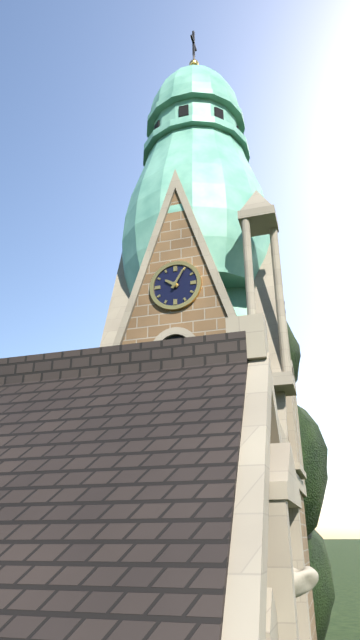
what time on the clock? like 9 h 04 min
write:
10 h 05 min
